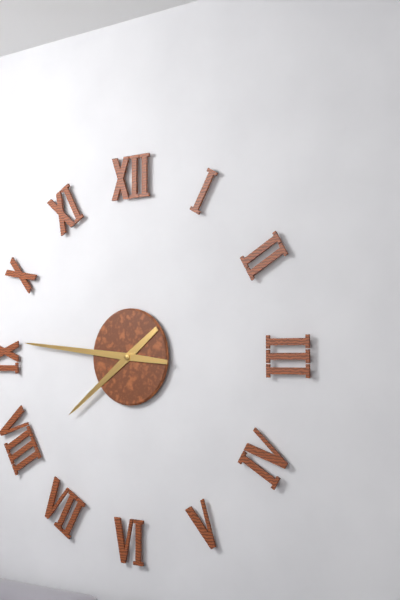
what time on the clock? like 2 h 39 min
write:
7 h 46 min
